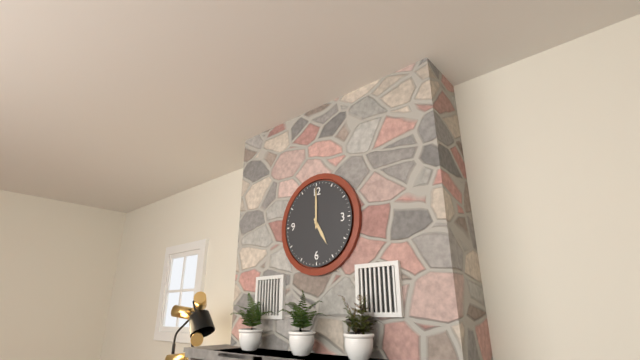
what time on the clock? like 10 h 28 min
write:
5 h 00 min
